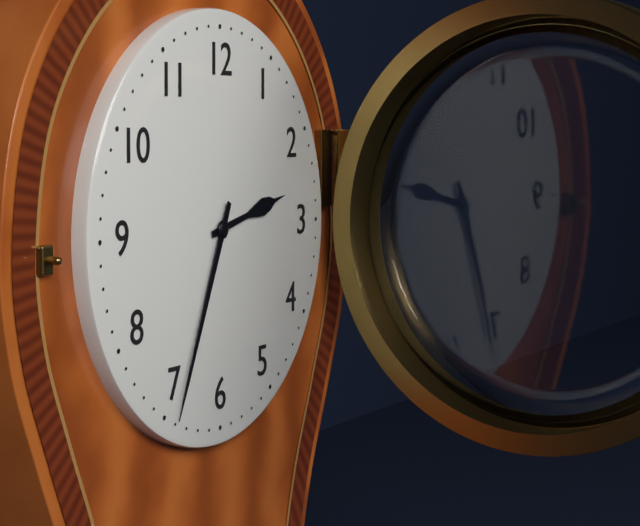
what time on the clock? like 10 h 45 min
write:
2 h 34 min
